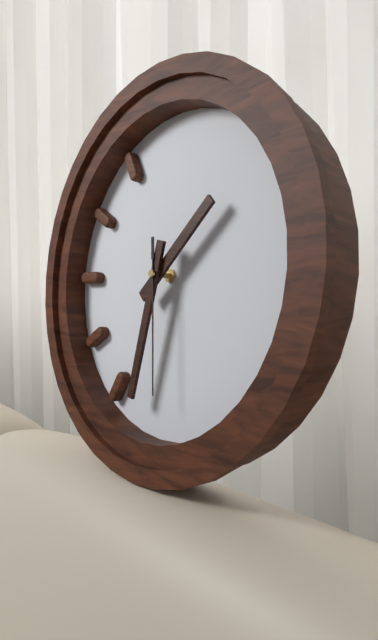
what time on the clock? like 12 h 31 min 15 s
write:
1 h 32 min 29 s
